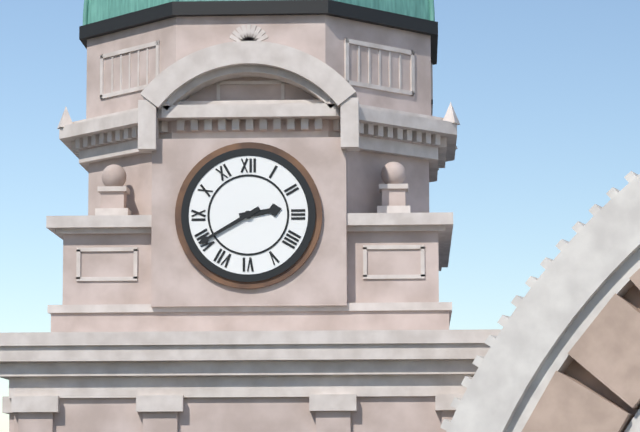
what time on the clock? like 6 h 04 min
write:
2 h 40 min
